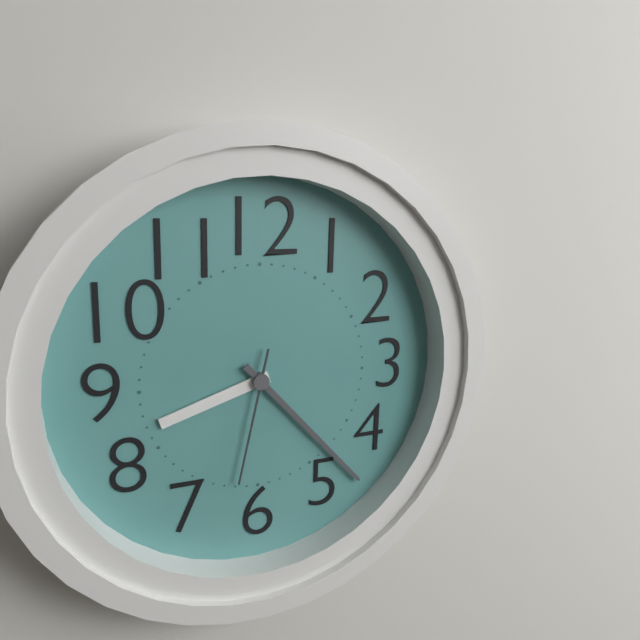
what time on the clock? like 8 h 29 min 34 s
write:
8 h 23 min 32 s
